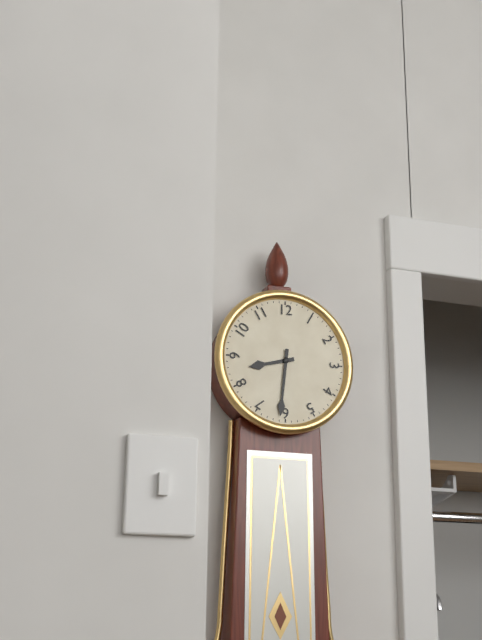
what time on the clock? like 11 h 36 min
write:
8 h 31 min
